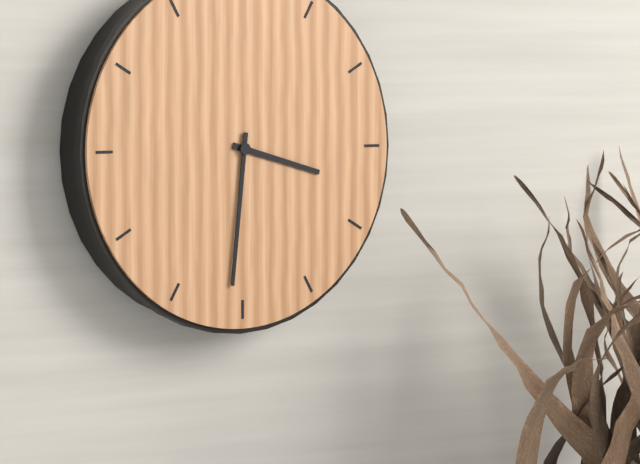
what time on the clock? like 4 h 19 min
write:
3 h 31 min
